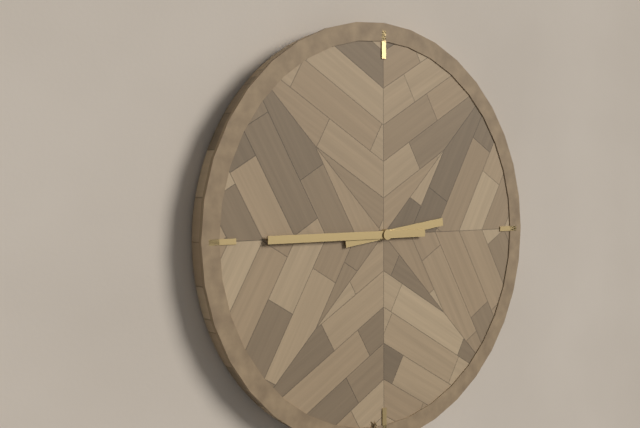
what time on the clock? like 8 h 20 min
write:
2 h 45 min
